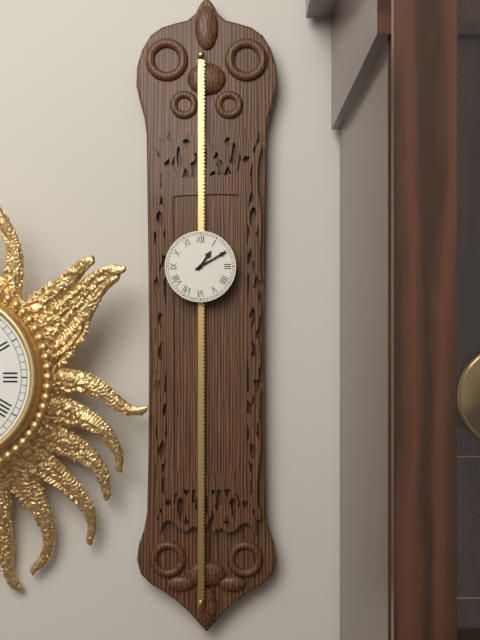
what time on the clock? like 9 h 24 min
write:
1 h 10 min
